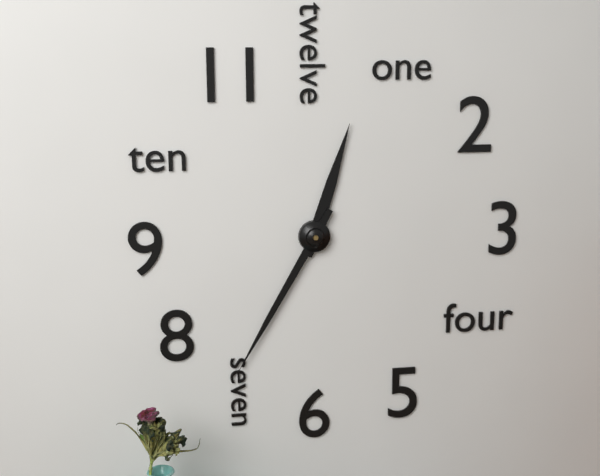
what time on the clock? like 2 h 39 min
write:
12 h 35 min
